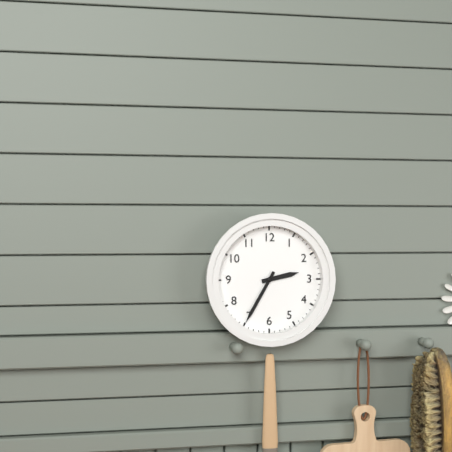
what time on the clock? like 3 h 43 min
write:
2 h 35 min
